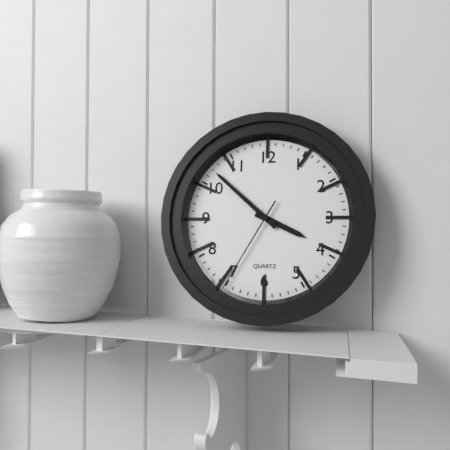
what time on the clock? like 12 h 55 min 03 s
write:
3 h 52 min 35 s
